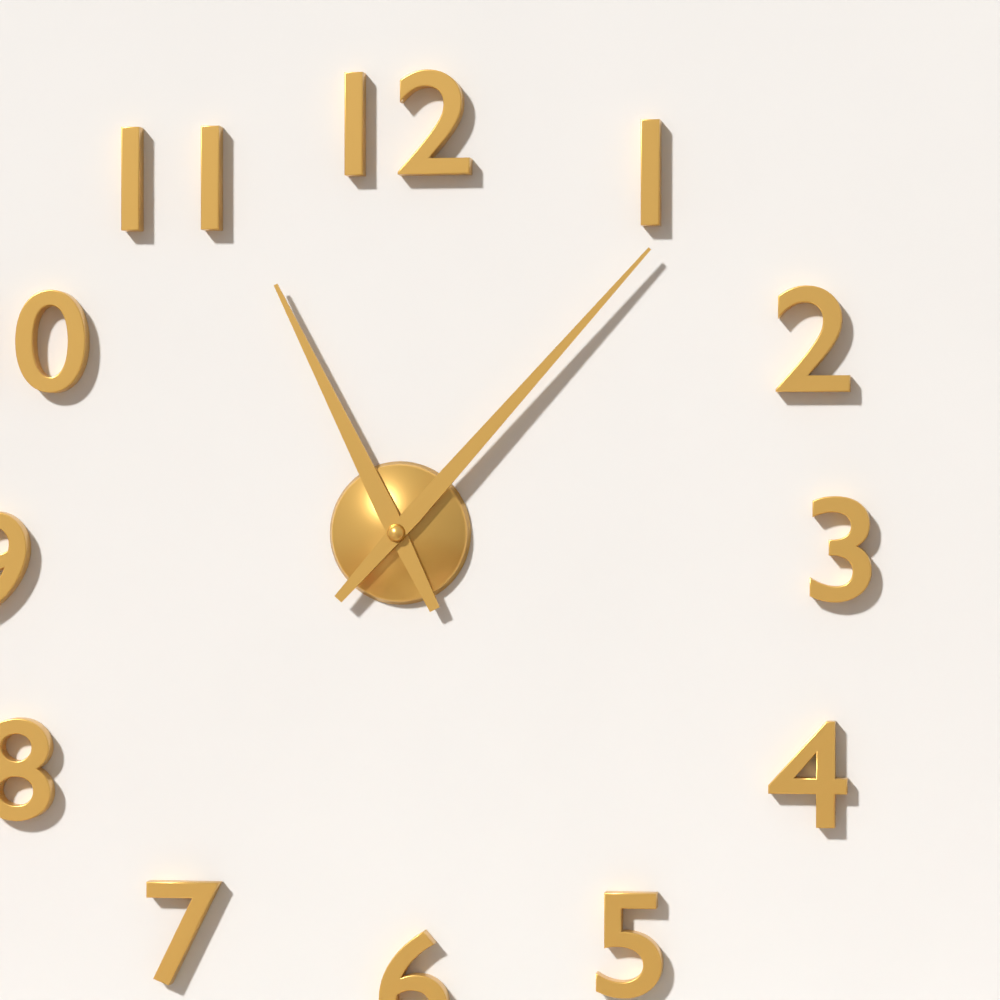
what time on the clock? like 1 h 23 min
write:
11 h 07 min
